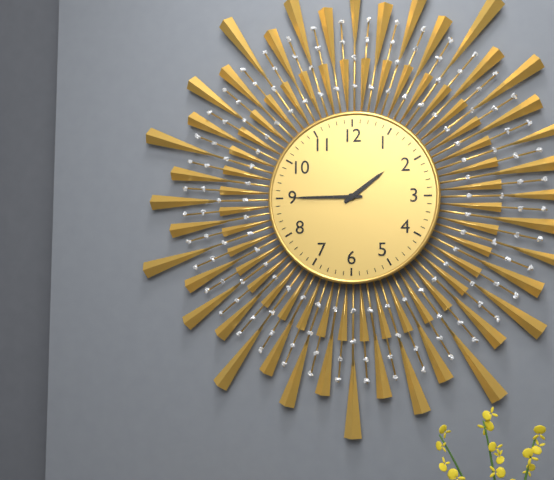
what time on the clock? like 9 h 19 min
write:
1 h 45 min
